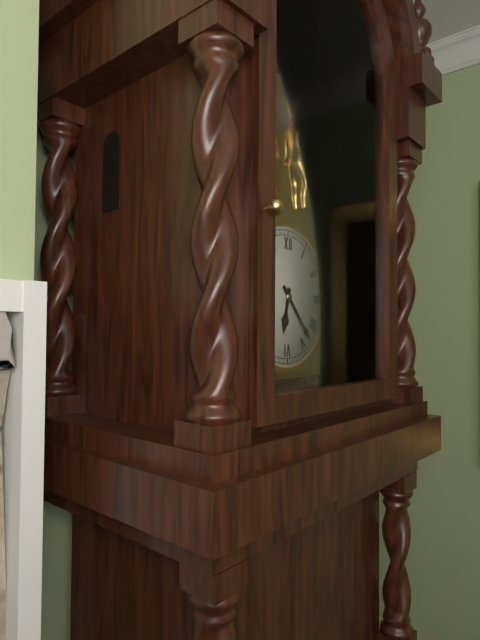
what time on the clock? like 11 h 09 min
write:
6 h 23 min
